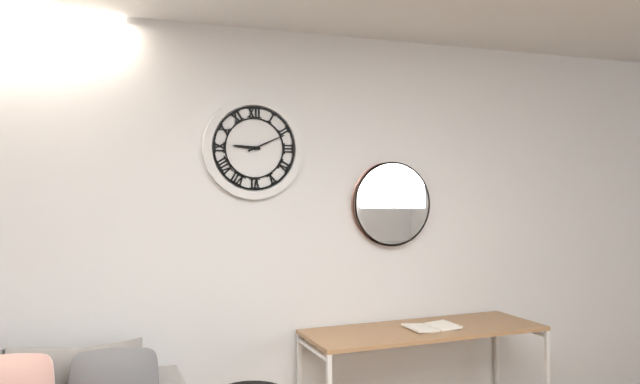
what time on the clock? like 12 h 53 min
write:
9 h 11 min
